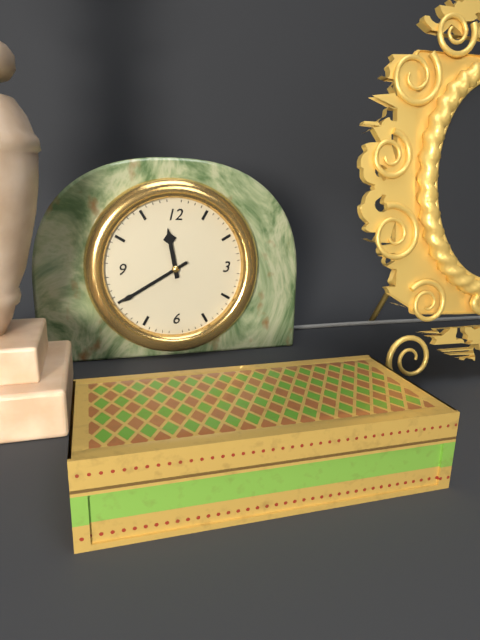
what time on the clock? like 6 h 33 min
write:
11 h 40 min
